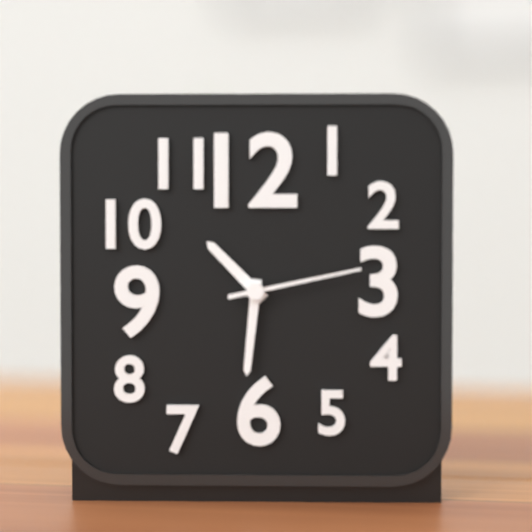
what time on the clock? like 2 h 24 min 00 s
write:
10 h 31 min 13 s
